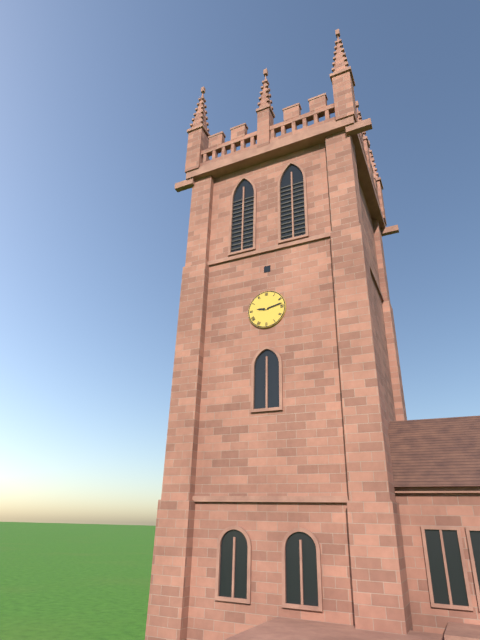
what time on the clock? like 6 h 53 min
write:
9 h 13 min
